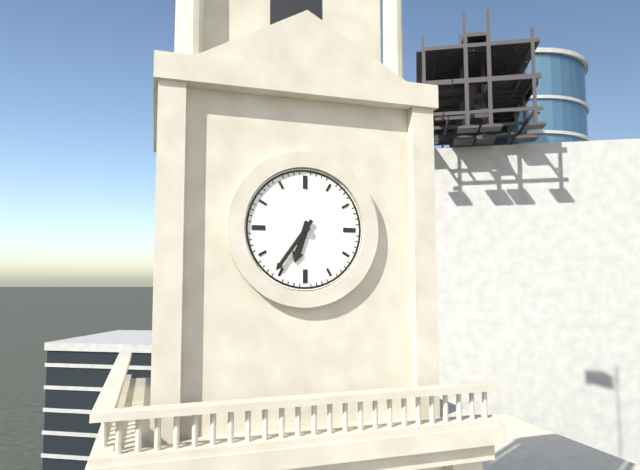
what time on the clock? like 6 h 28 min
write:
6 h 36 min
